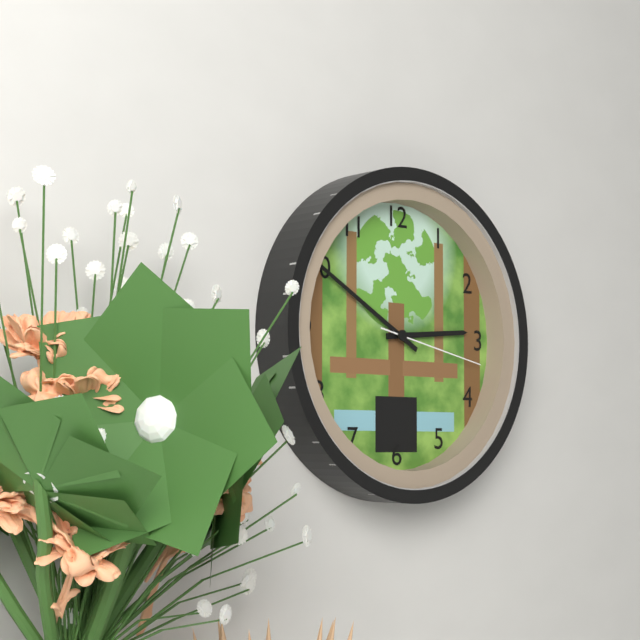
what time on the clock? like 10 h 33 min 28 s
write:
2 h 50 min 17 s
